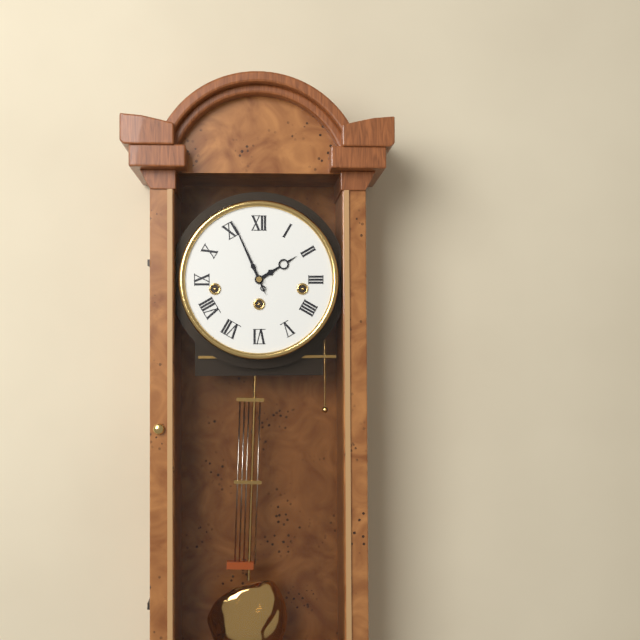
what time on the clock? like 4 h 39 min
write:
1 h 56 min
